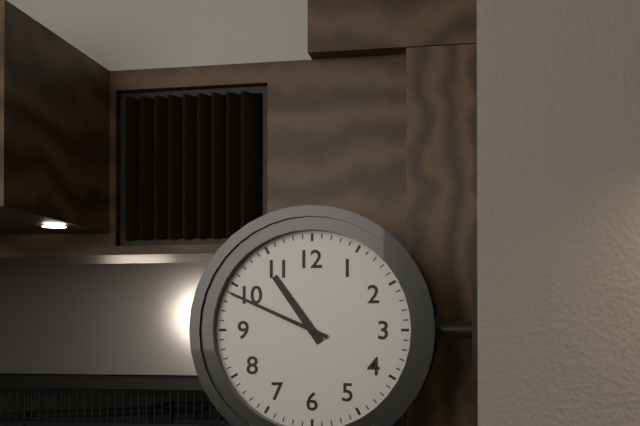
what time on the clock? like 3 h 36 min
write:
10 h 49 min
